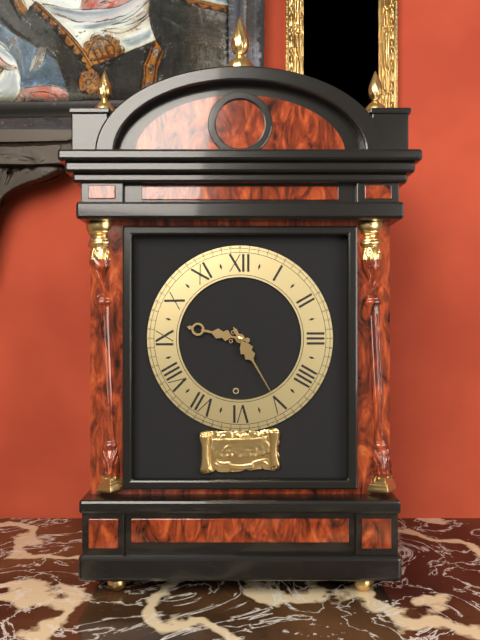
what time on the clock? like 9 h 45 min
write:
9 h 25 min
